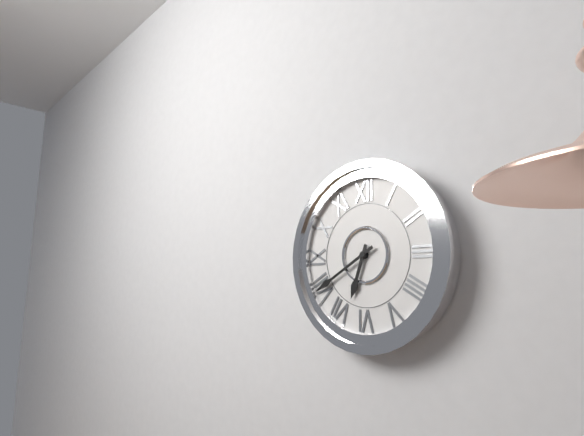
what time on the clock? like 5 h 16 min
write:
6 h 40 min
